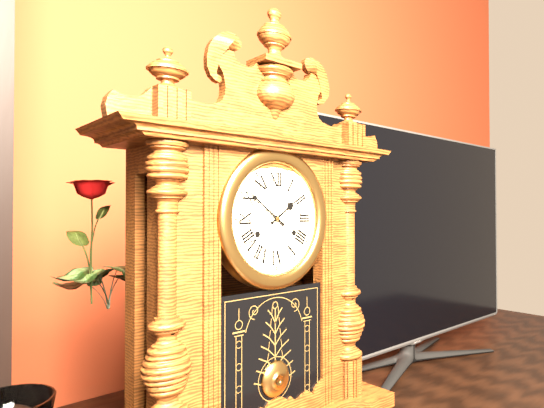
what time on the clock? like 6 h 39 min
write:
1 h 51 min
